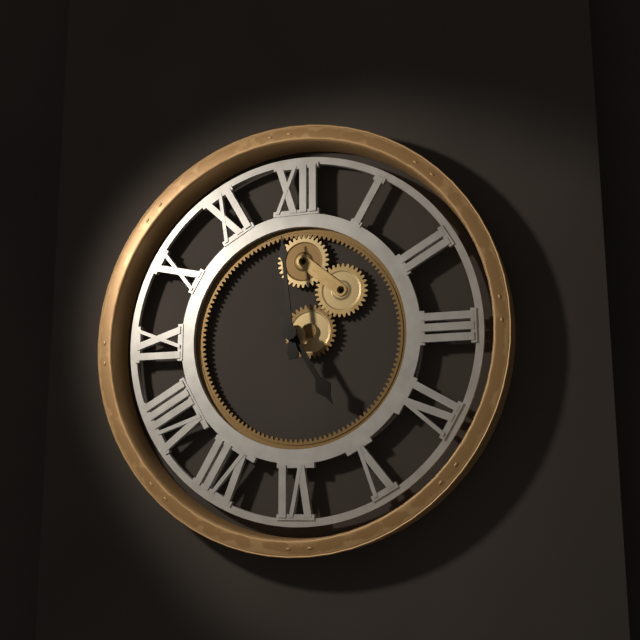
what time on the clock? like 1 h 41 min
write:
4 h 59 min
